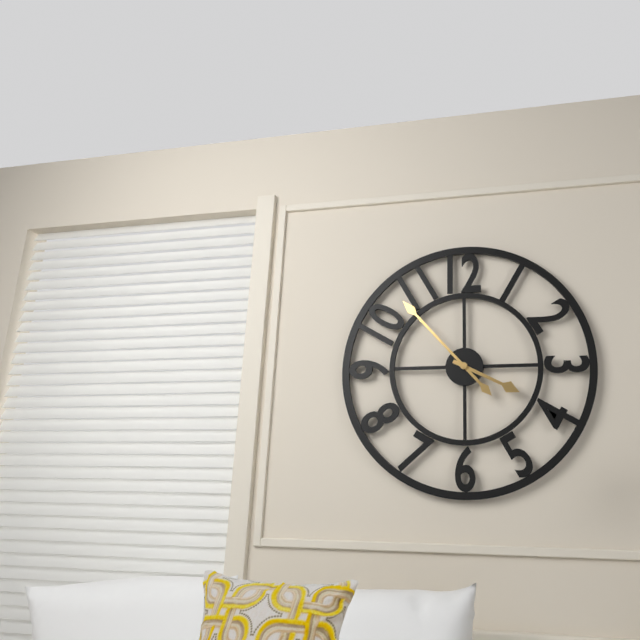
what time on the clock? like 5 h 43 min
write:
3 h 53 min
